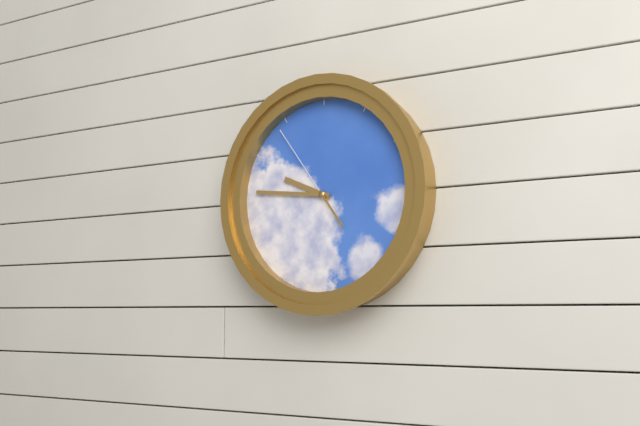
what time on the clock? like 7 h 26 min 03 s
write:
9 h 46 min 54 s
